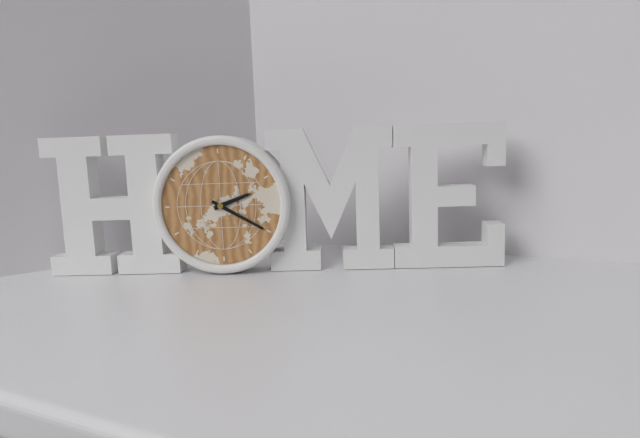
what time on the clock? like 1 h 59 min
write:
2 h 20 min
